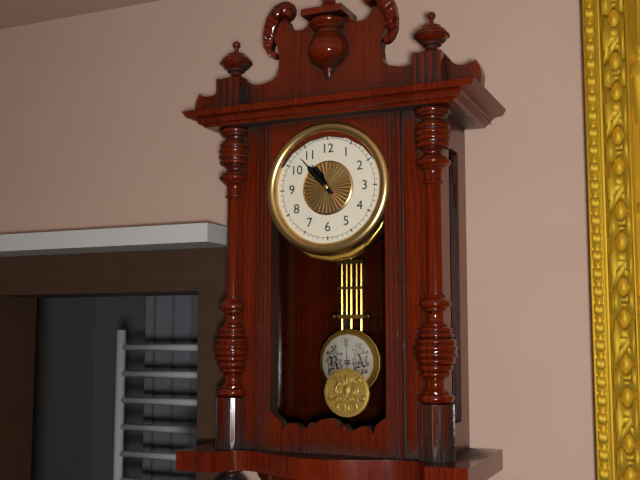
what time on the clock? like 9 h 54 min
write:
10 h 53 min
